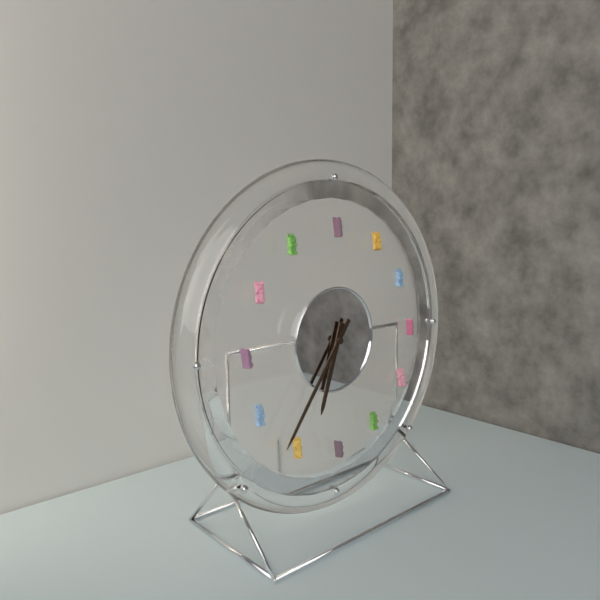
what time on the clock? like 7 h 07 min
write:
6 h 36 min
